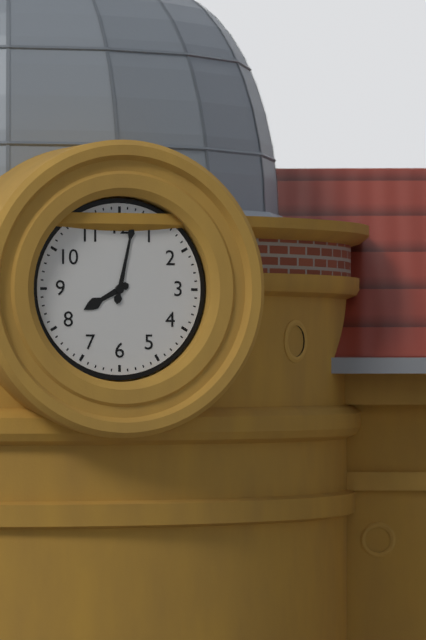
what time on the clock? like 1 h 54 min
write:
8 h 02 min
